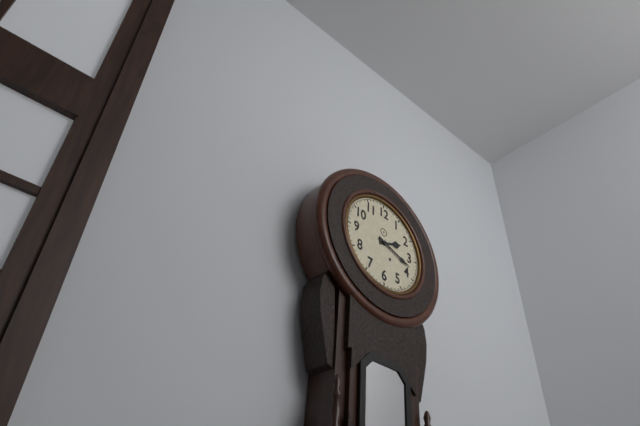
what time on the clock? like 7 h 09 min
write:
2 h 18 min
